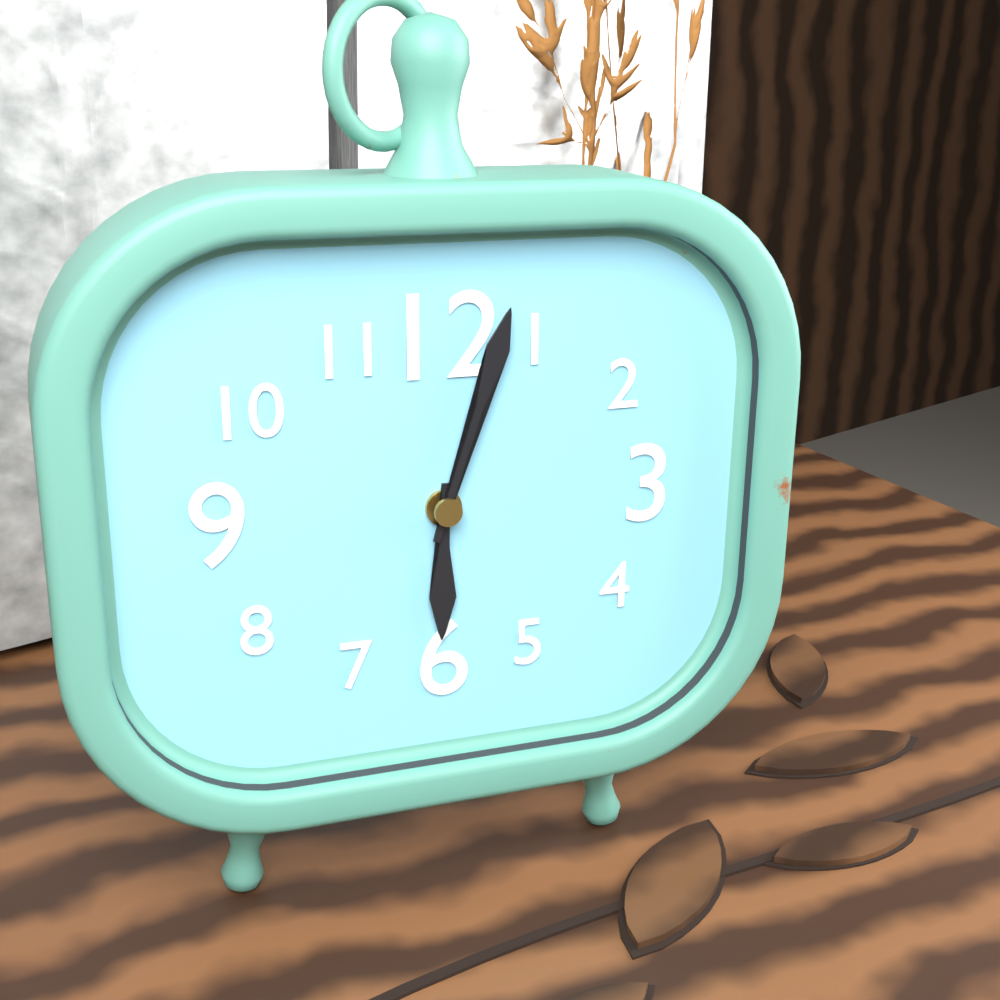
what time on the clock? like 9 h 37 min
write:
6 h 03 min
